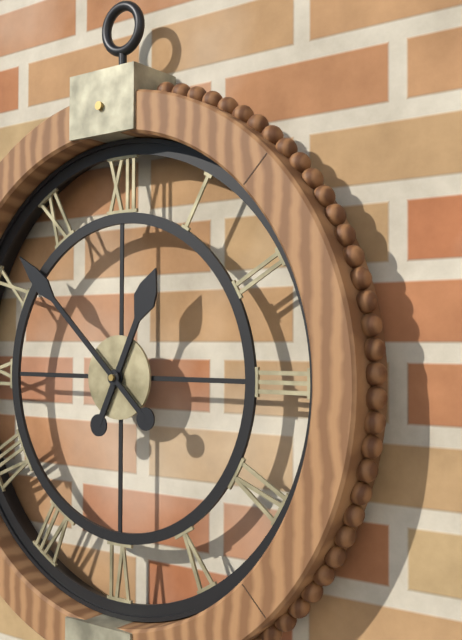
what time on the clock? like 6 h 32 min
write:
12 h 52 min
